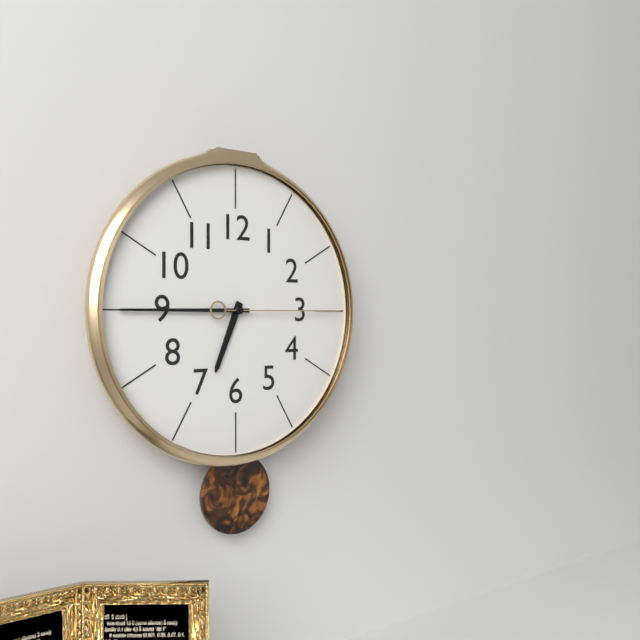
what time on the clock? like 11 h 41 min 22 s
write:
6 h 45 min 15 s
